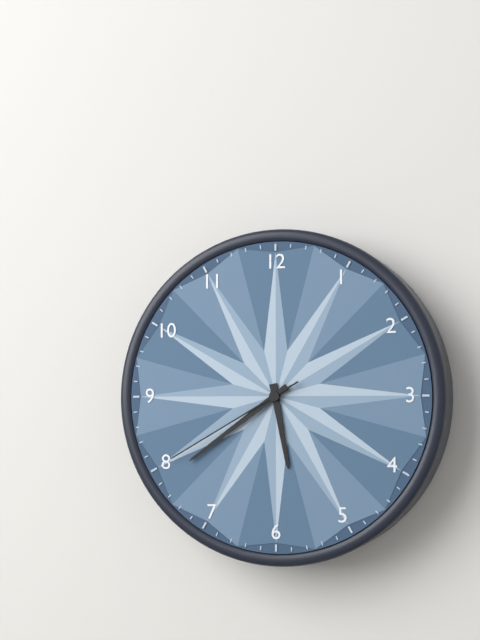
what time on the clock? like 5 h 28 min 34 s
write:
5 h 39 min 40 s
